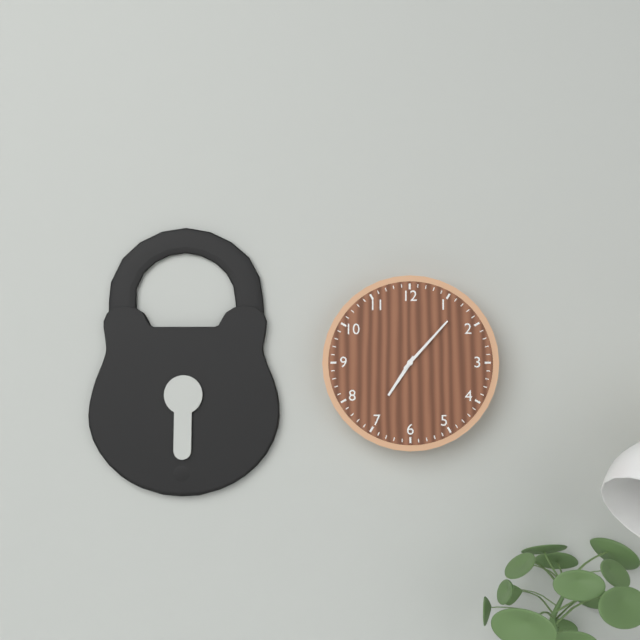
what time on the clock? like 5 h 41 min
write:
7 h 07 min
